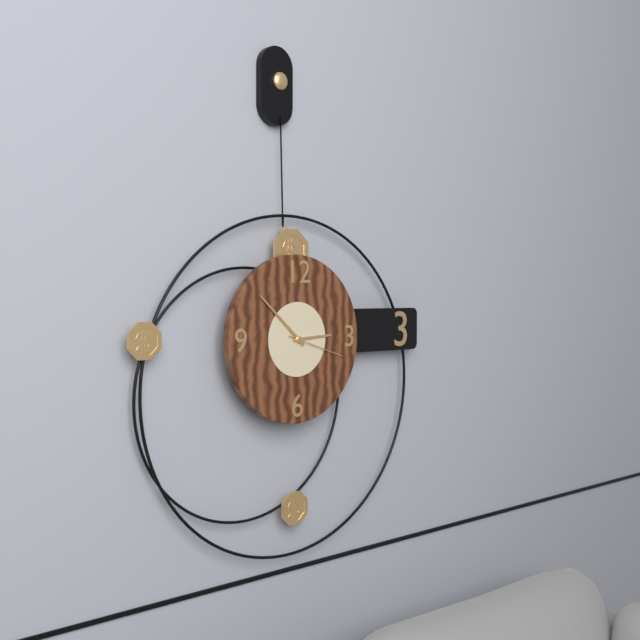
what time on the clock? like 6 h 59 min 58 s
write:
2 h 52 min 18 s
